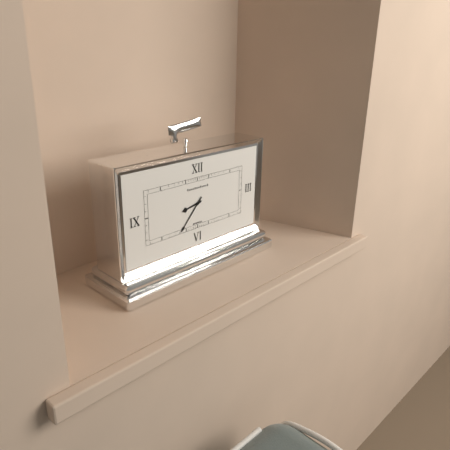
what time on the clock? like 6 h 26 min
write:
8 h 37 min
